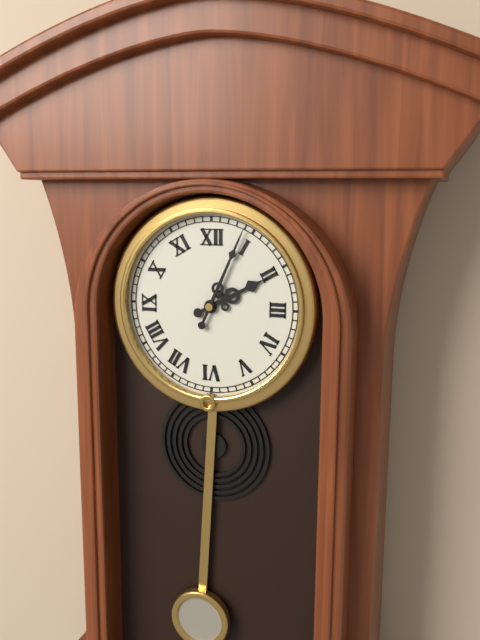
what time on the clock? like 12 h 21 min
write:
2 h 04 min
